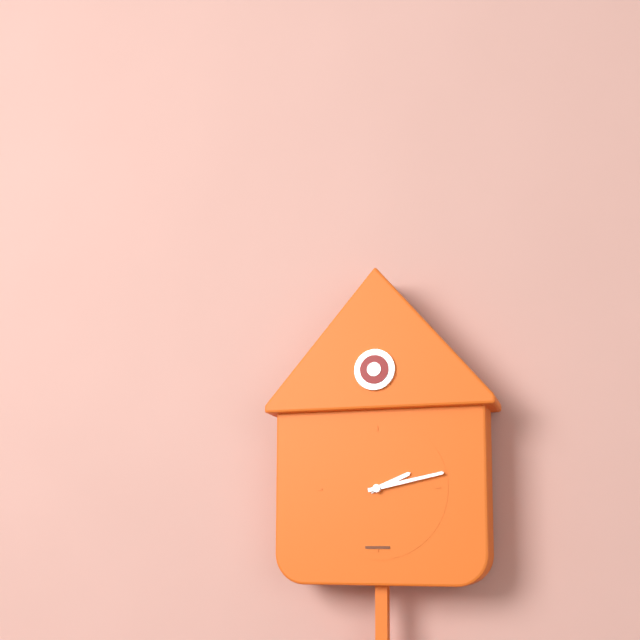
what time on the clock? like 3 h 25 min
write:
2 h 13 min
